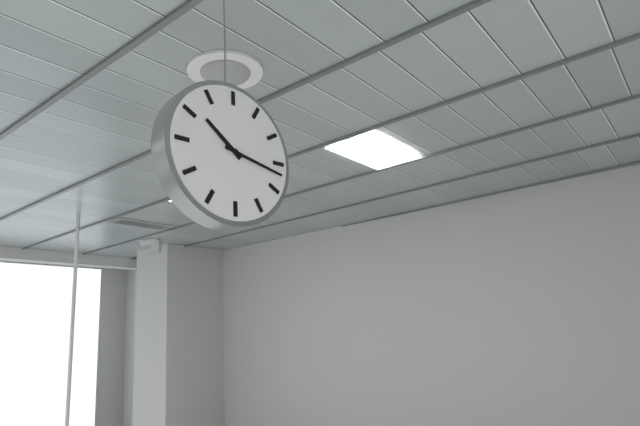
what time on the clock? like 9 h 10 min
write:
10 h 17 min
